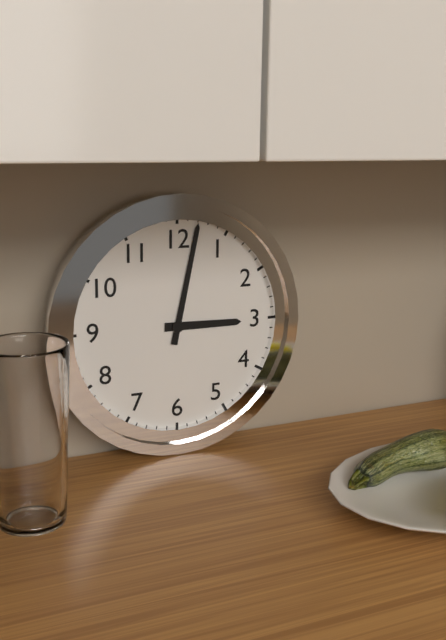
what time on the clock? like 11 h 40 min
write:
3 h 02 min
